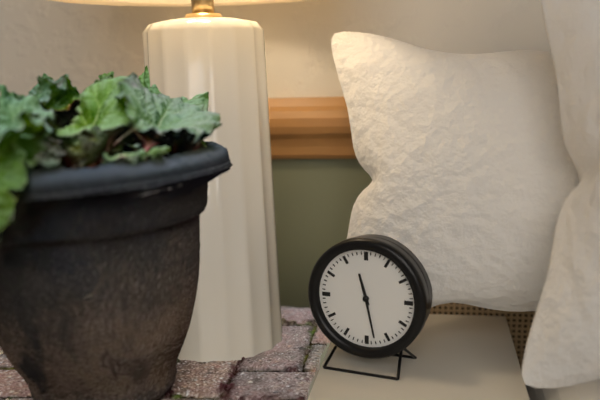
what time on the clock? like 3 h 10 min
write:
11 h 28 min
